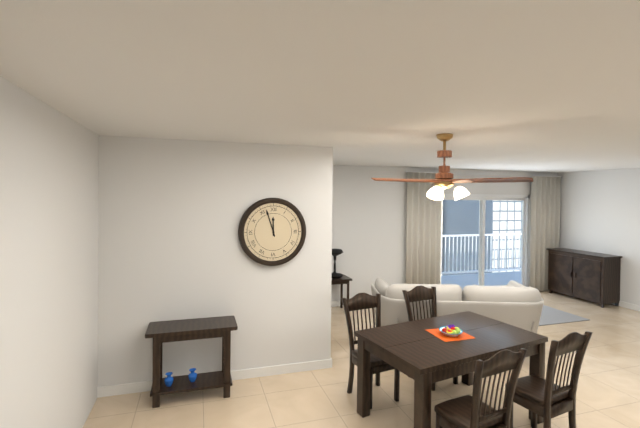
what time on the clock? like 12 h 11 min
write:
11 h 57 min
